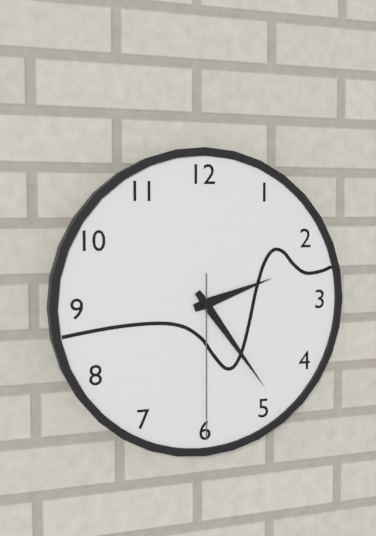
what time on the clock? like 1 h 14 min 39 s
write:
2 h 24 min 30 s
